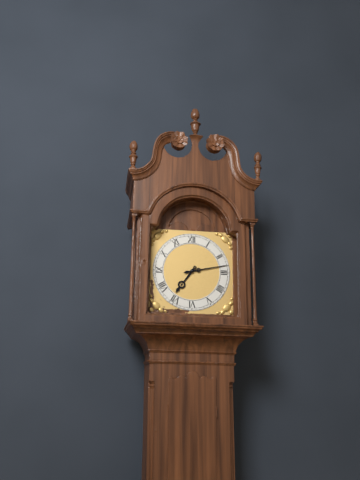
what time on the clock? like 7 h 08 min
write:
7 h 13 min
